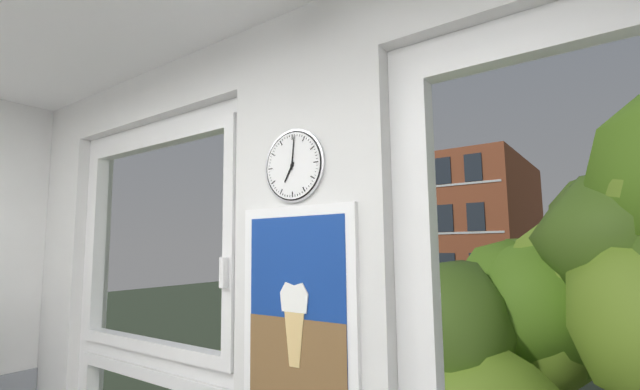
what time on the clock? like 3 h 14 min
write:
7 h 01 min
